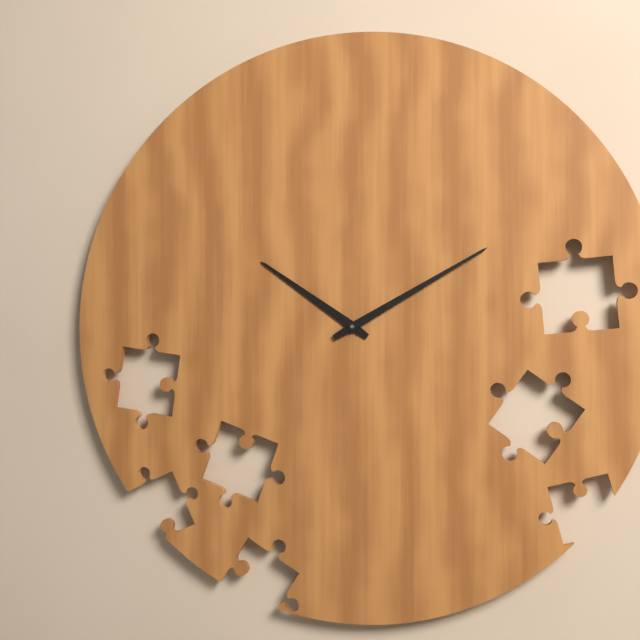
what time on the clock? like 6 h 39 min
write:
10 h 10 min
